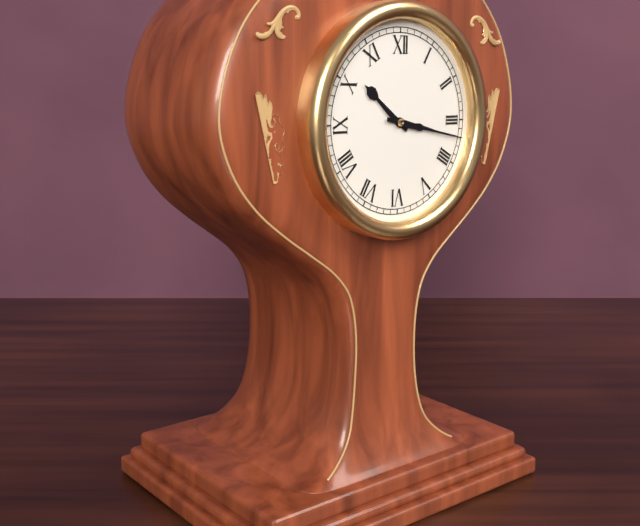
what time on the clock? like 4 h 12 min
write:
10 h 17 min
